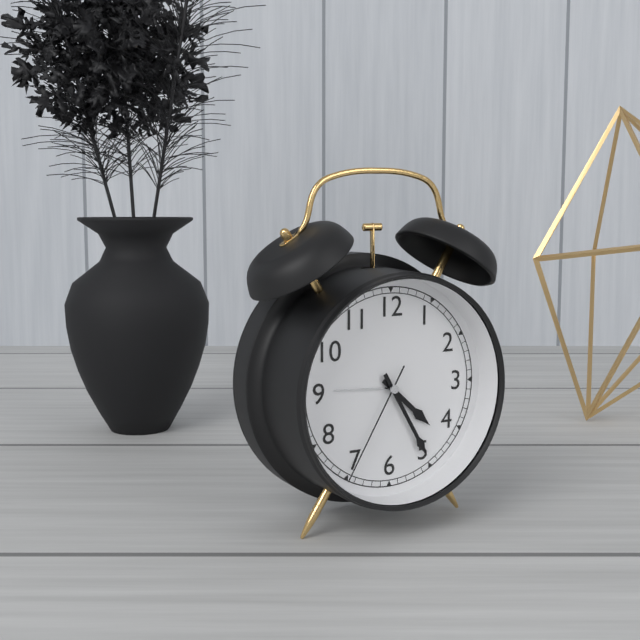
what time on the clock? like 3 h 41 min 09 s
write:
4 h 25 min 35 s
